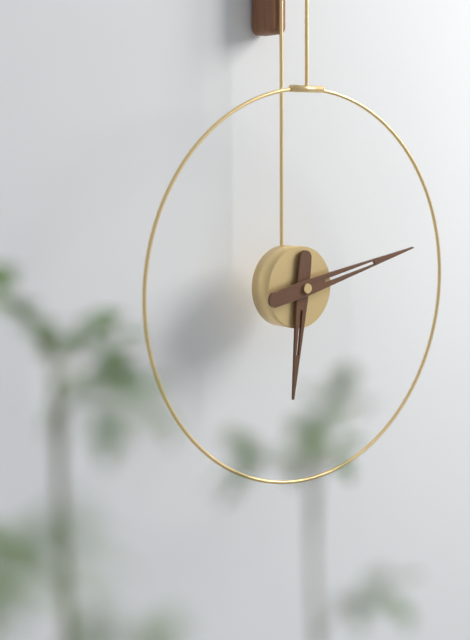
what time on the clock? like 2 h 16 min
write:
6 h 13 min
